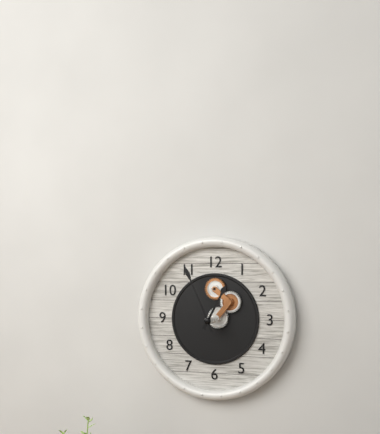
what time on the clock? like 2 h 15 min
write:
12 h 56 min
